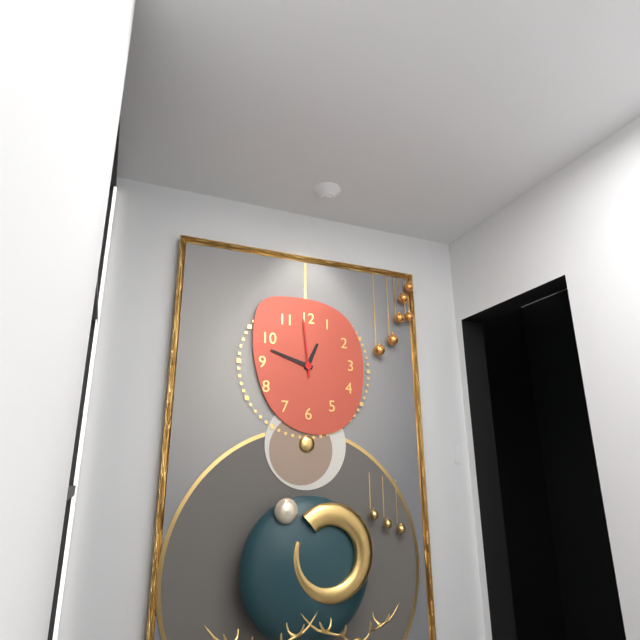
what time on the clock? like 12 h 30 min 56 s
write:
12 h 48 min 59 s
